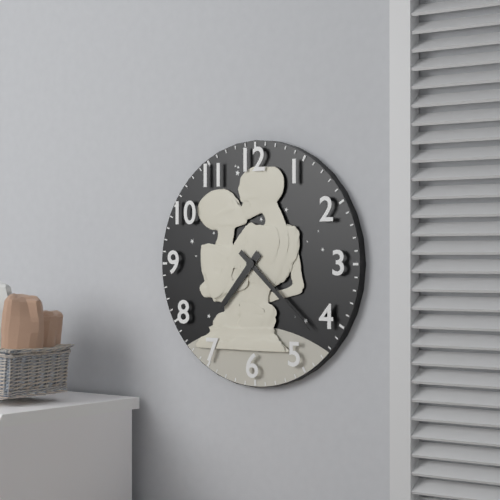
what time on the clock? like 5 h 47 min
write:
7 h 22 min
